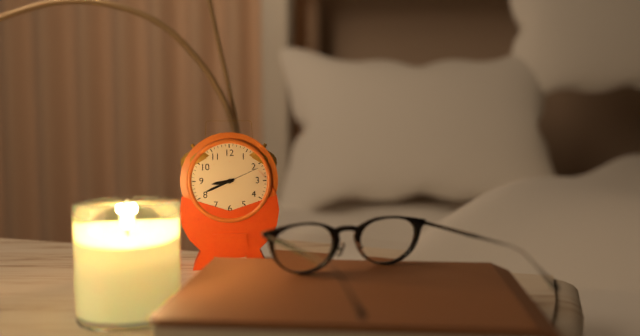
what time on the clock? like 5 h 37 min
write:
8 h 41 min
